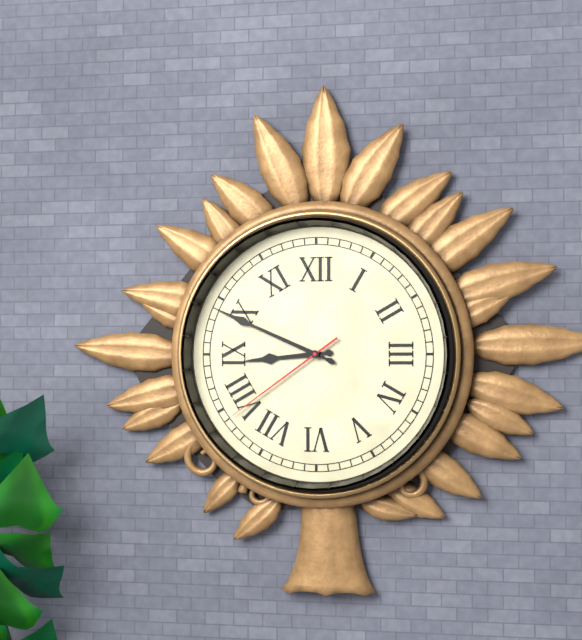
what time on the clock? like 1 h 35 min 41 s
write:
8 h 49 min 39 s
